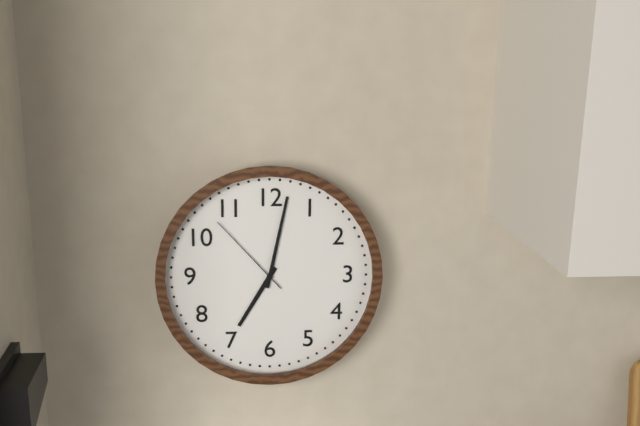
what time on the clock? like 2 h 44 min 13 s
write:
7 h 02 min 53 s
